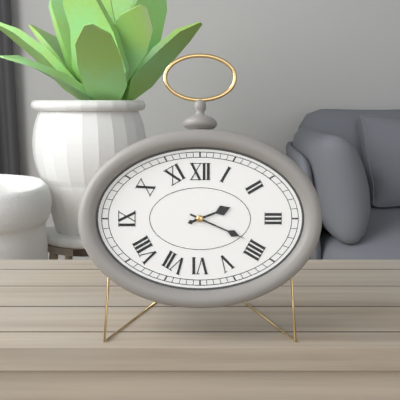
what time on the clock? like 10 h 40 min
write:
2 h 19 min
